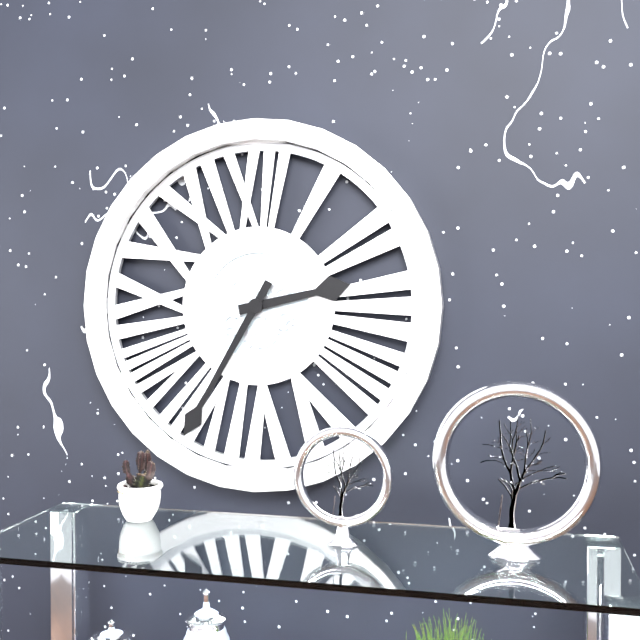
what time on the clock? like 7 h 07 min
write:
2 h 35 min
